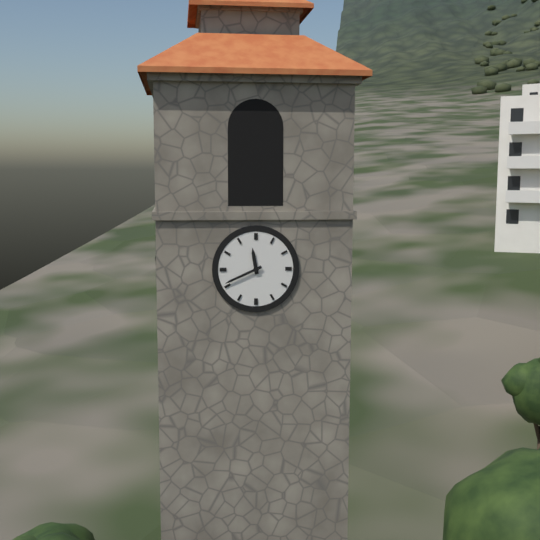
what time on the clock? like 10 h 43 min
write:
11 h 41 min
